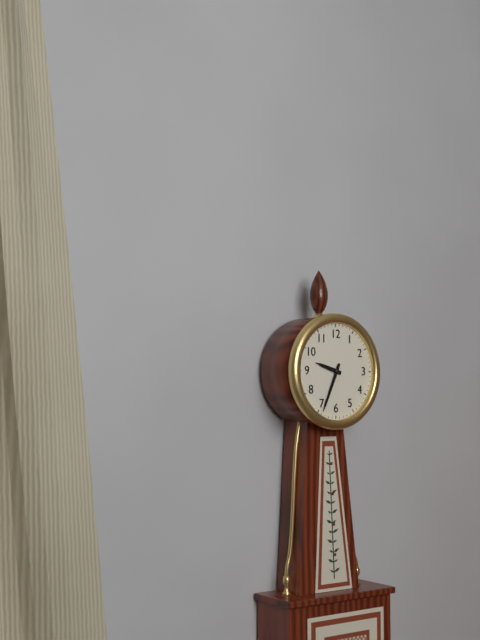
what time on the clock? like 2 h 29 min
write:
9 h 34 min
